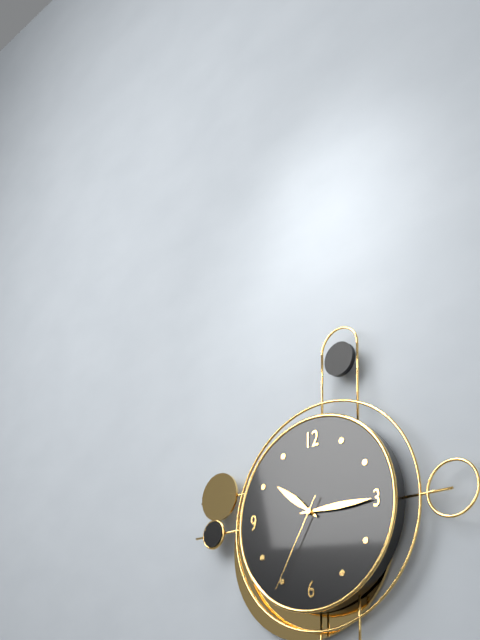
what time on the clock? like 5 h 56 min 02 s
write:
10 h 15 min 35 s
